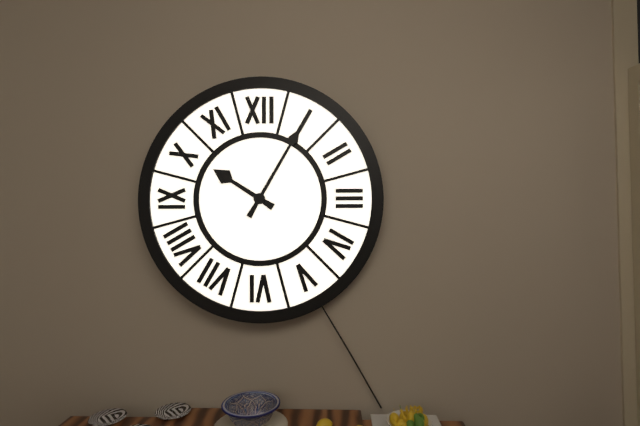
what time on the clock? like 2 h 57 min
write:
10 h 05 min
